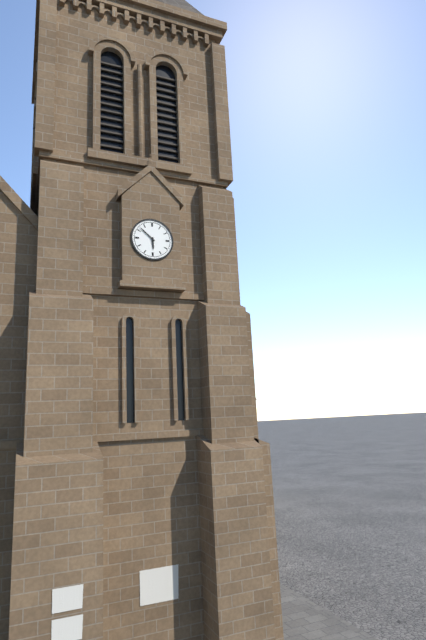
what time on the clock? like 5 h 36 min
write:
5 h 52 min
